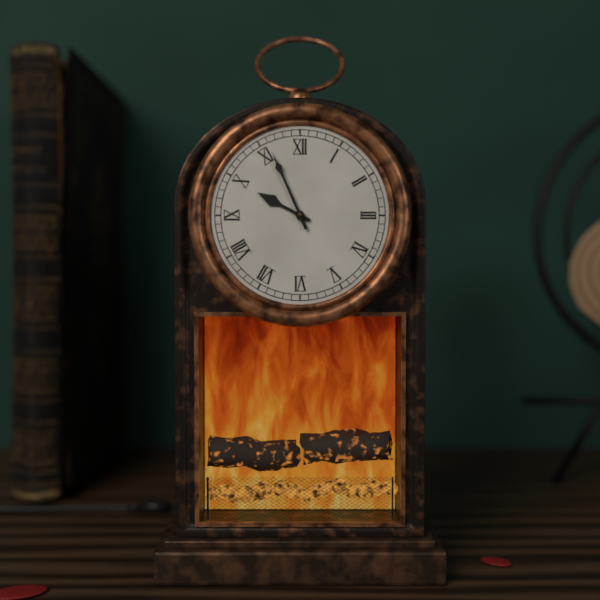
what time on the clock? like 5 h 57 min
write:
9 h 56 min
